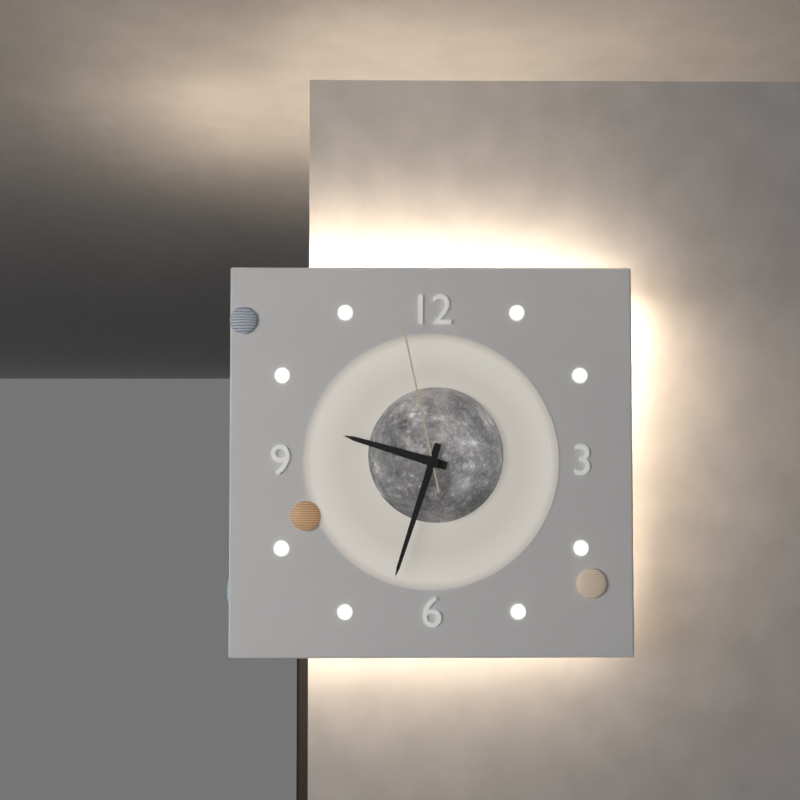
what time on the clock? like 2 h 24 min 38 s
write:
9 h 33 min 58 s
